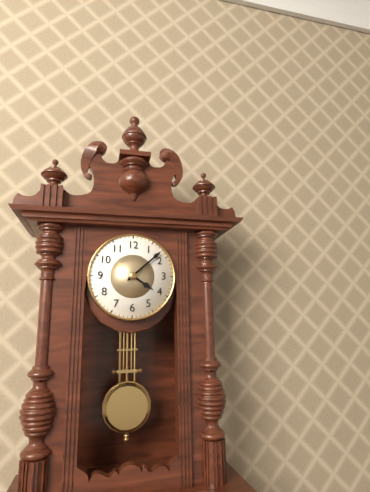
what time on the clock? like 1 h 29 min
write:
4 h 08 min
